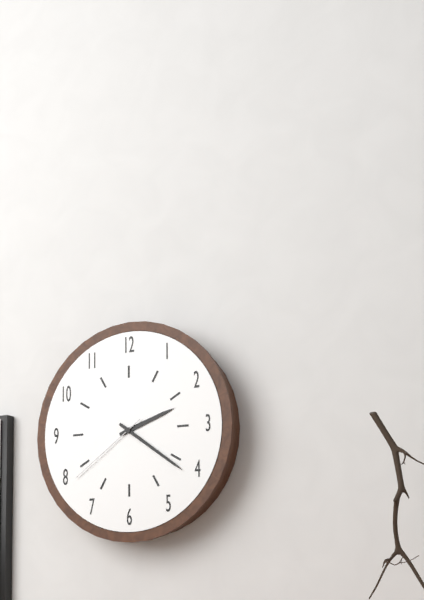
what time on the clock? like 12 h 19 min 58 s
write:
2 h 21 min 39 s
